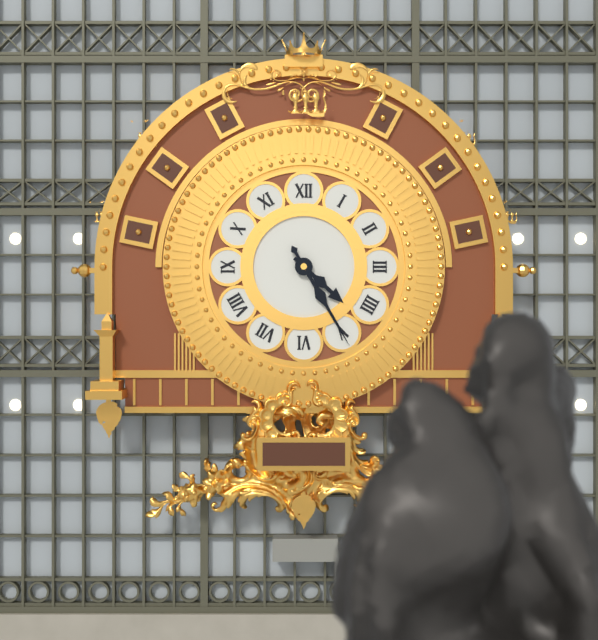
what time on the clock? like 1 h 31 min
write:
4 h 25 min
